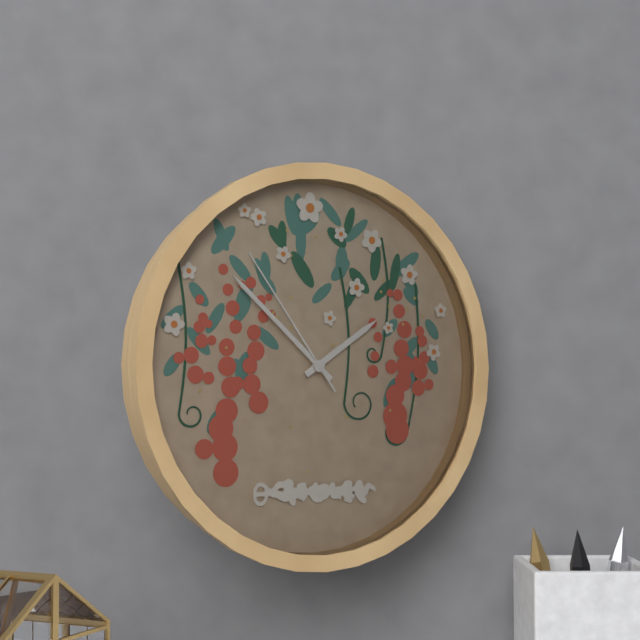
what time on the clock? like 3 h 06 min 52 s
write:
1 h 52 min 54 s
